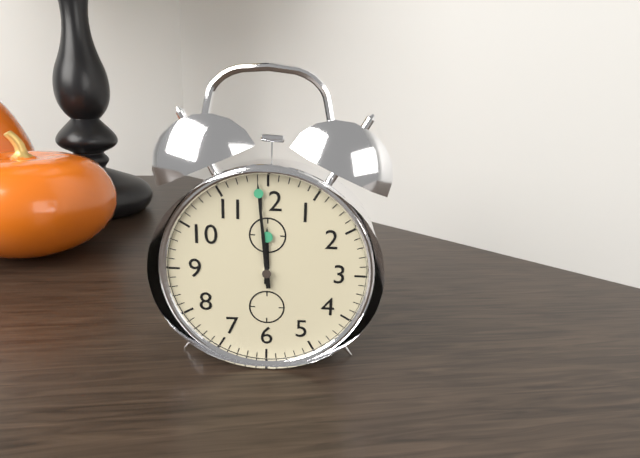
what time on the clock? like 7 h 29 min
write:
11 h 59 min
